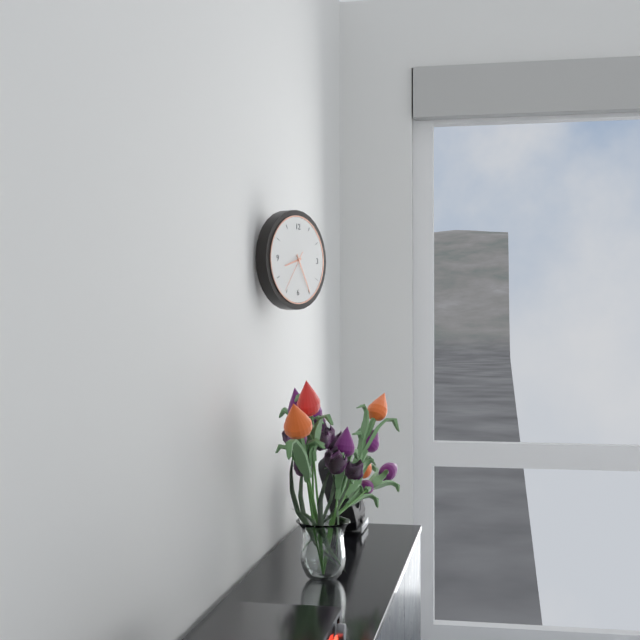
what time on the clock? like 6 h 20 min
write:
8 h 25 min
